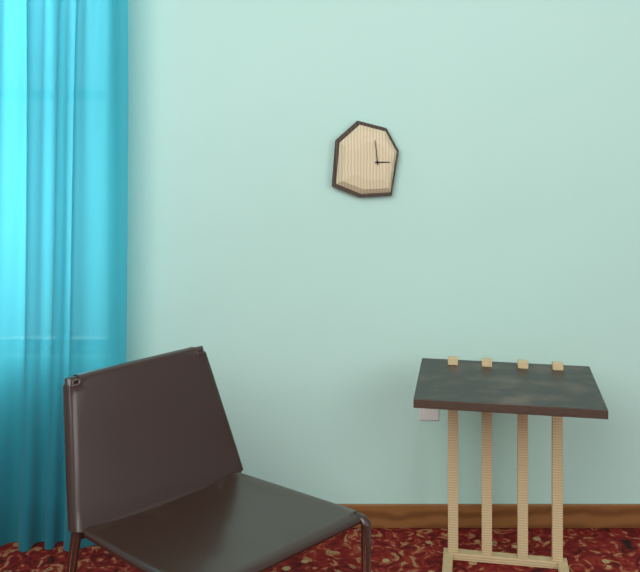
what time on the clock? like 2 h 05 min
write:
2 h 59 min
